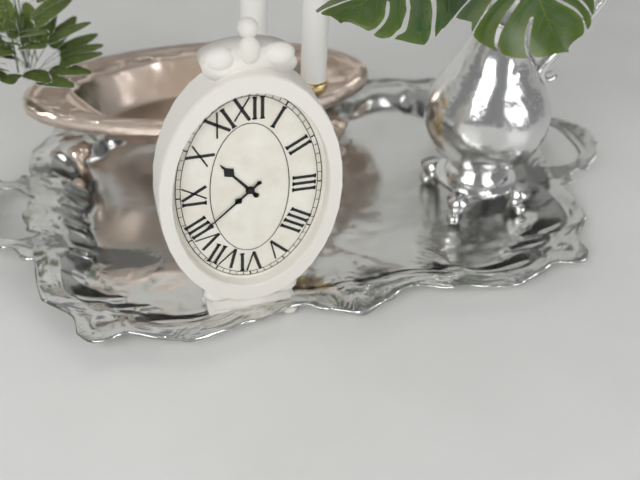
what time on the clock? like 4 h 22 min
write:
10 h 38 min
